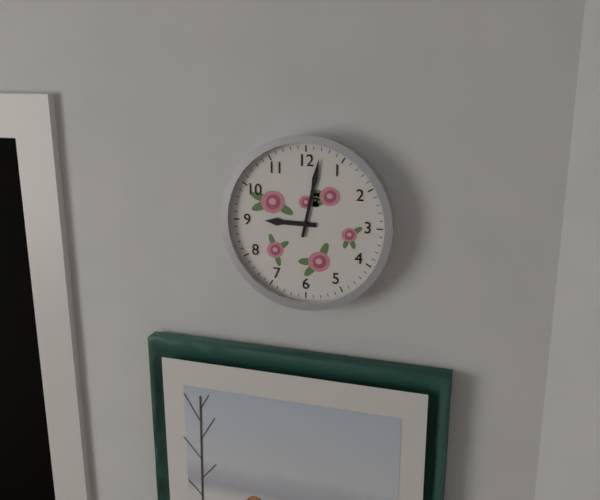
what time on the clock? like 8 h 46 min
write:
9 h 02 min
